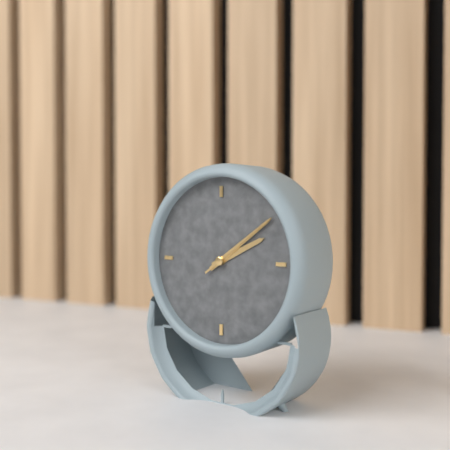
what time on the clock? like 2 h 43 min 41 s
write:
2 h 09 min 09 s
